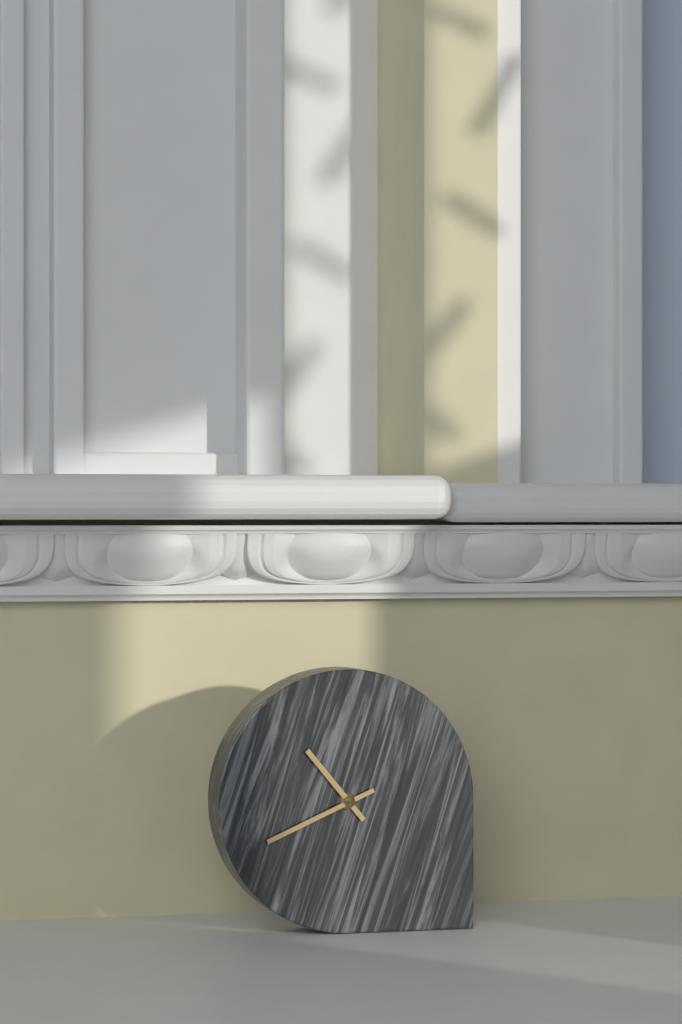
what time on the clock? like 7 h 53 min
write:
10 h 41 min
